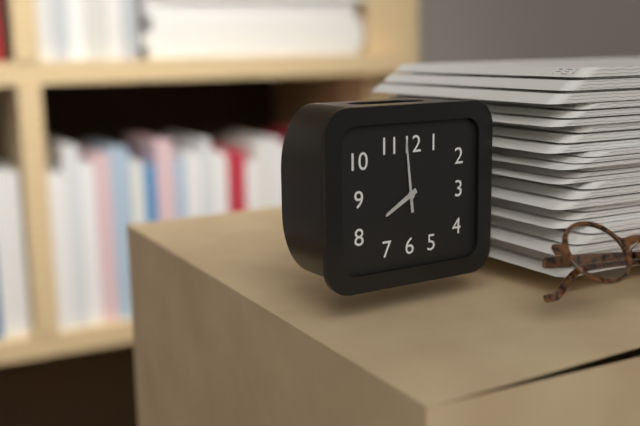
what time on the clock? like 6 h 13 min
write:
7 h 59 min
